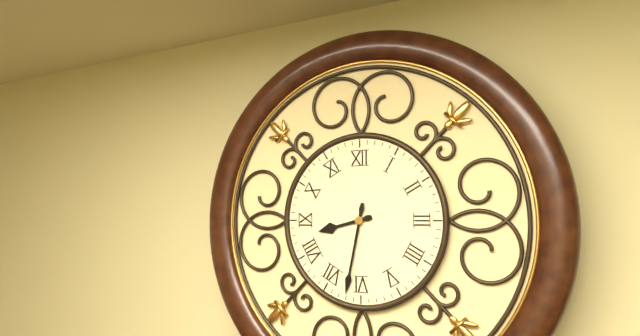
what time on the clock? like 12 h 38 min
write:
8 h 32 min
